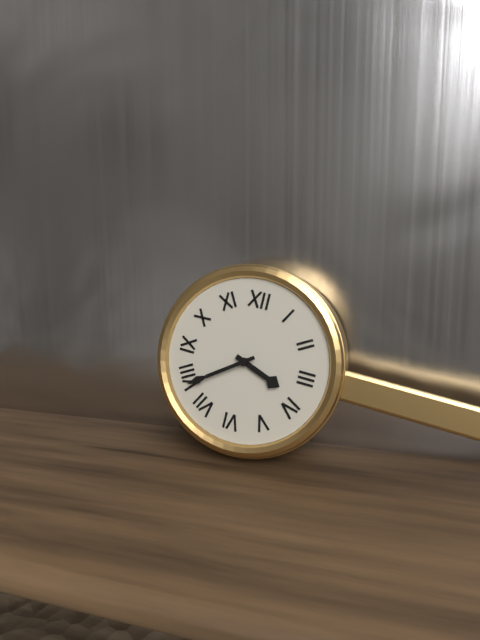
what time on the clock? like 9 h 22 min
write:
3 h 39 min
